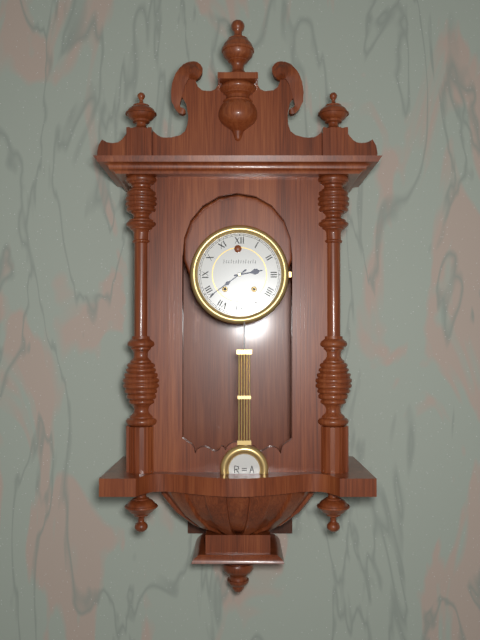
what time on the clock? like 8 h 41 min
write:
2 h 39 min
